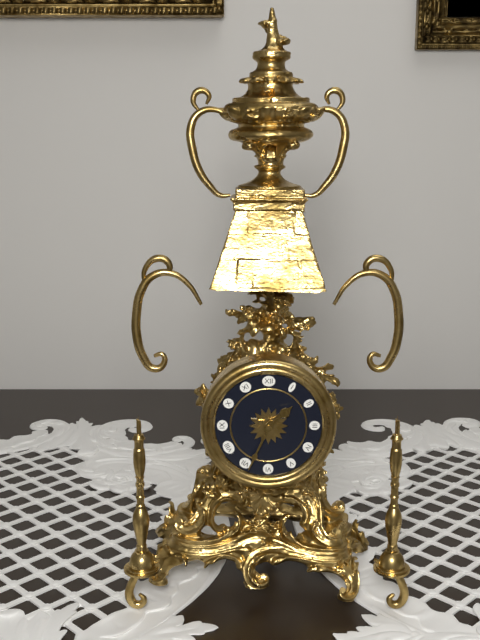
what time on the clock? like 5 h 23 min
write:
1 h 34 min
